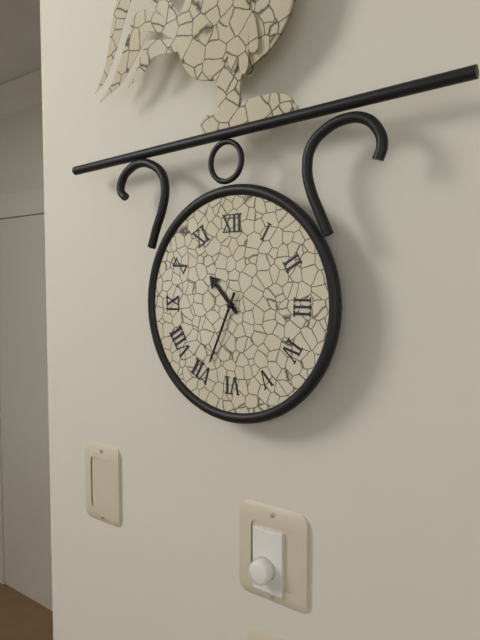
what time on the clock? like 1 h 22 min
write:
10 h 34 min
